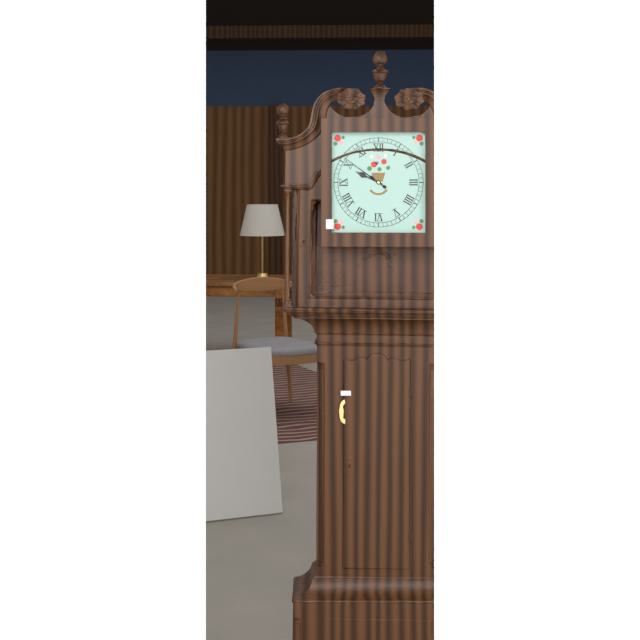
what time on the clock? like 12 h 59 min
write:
9 h 51 min
